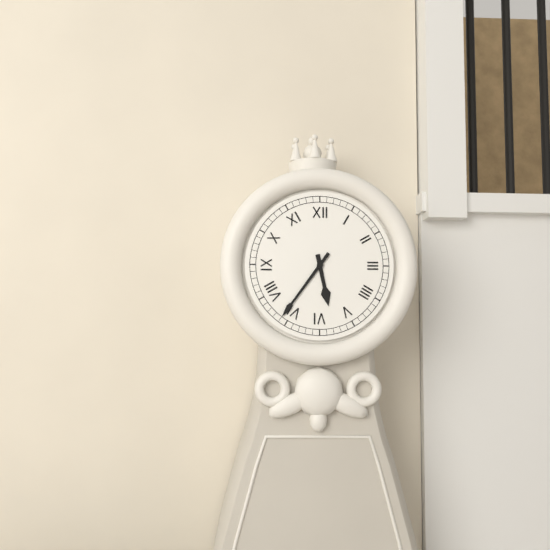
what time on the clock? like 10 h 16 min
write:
5 h 36 min
